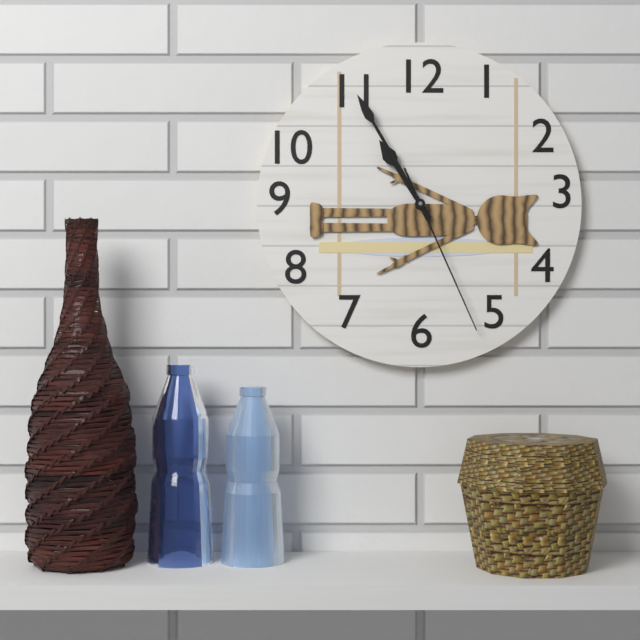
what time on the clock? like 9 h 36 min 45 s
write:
10 h 55 min 26 s
